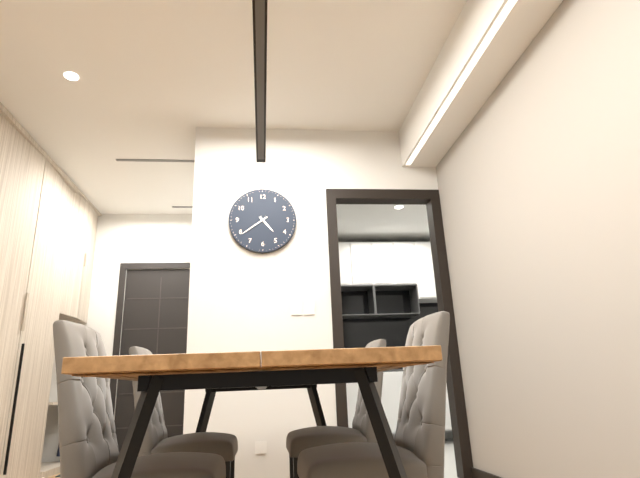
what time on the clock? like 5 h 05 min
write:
4 h 39 min
